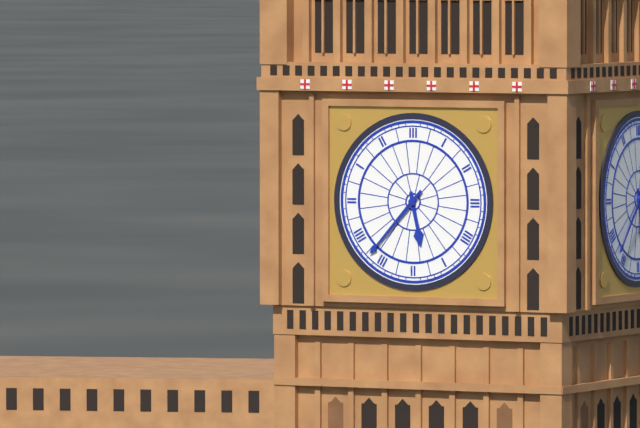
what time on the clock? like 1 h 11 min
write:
5 h 37 min
